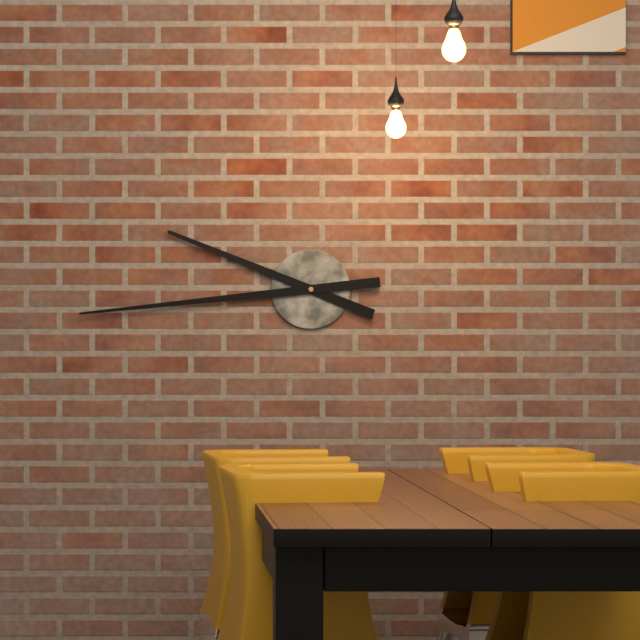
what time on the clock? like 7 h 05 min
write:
9 h 44 min
